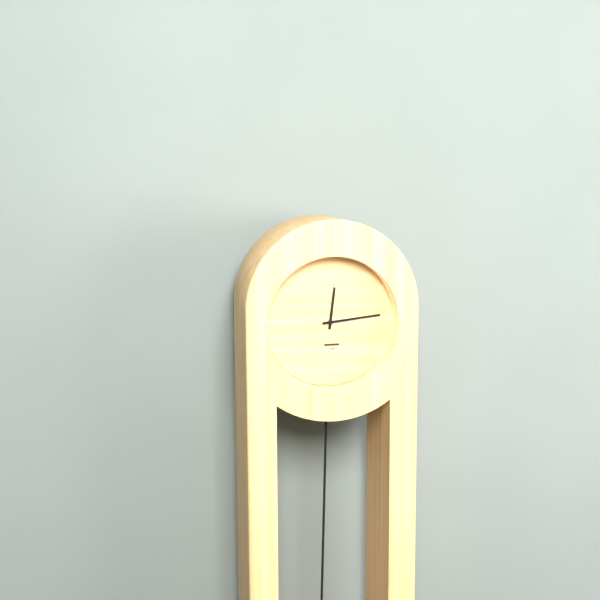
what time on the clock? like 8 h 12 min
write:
12 h 14 min
